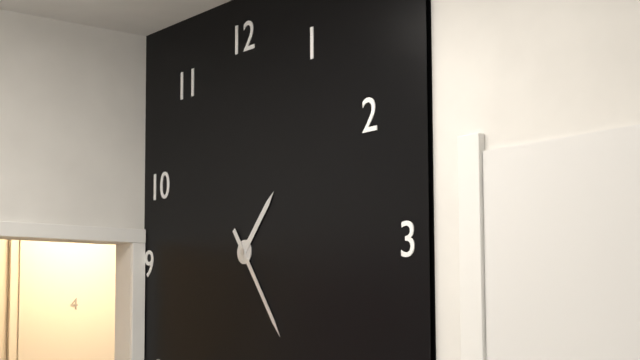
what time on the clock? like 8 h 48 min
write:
1 h 24 min
